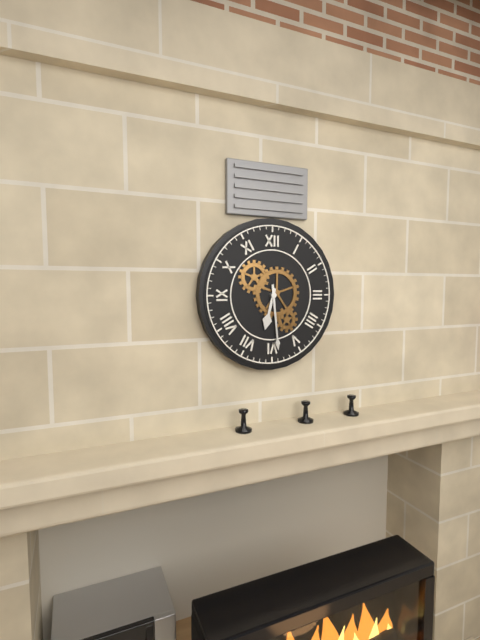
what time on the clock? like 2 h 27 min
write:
6 h 29 min
